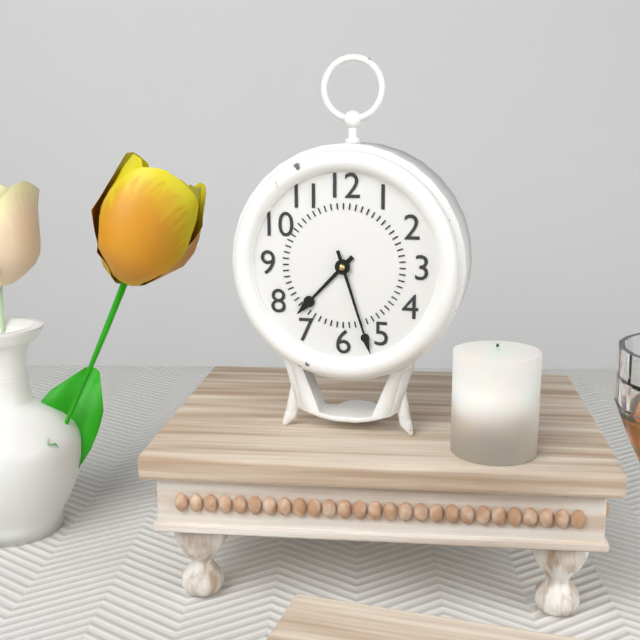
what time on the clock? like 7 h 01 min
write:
7 h 27 min
